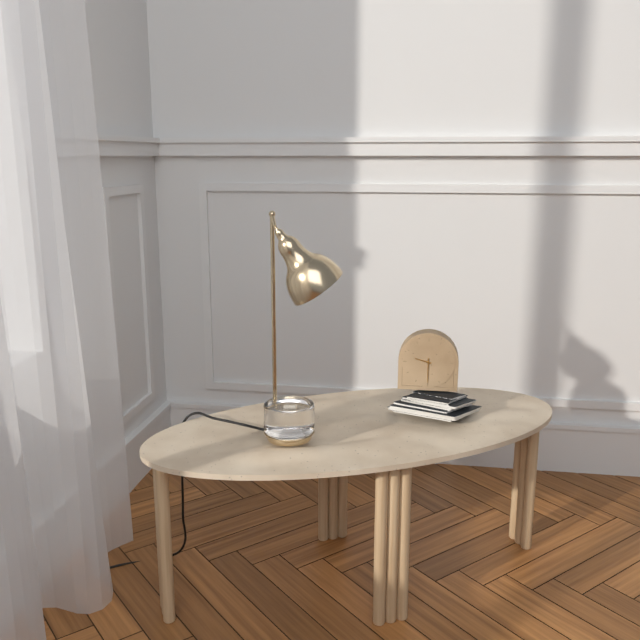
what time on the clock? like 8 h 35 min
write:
9 h 30 min
